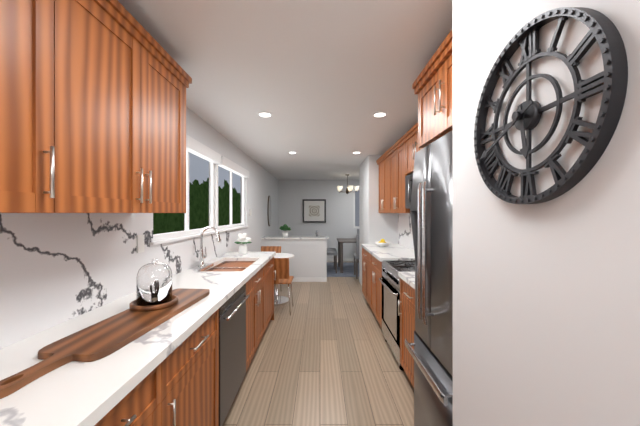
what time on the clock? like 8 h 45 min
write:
5 h 41 min
